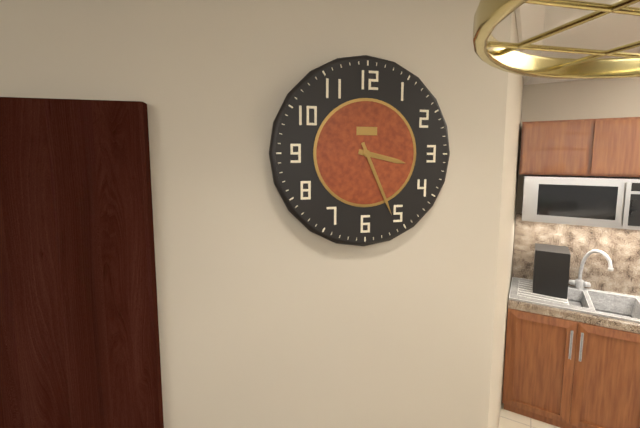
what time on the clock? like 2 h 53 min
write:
3 h 26 min
